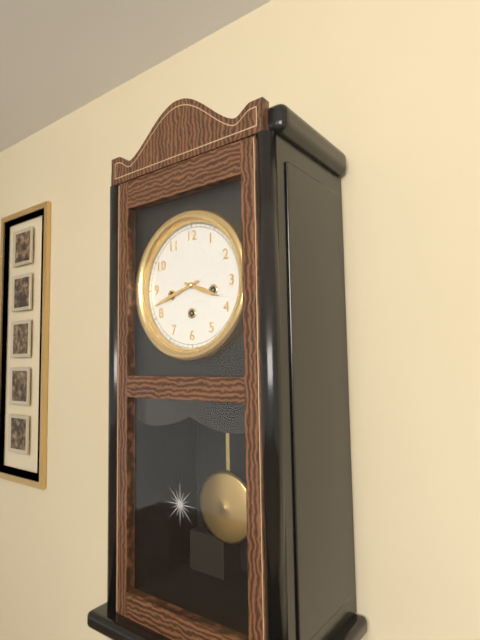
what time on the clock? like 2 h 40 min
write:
3 h 42 min
